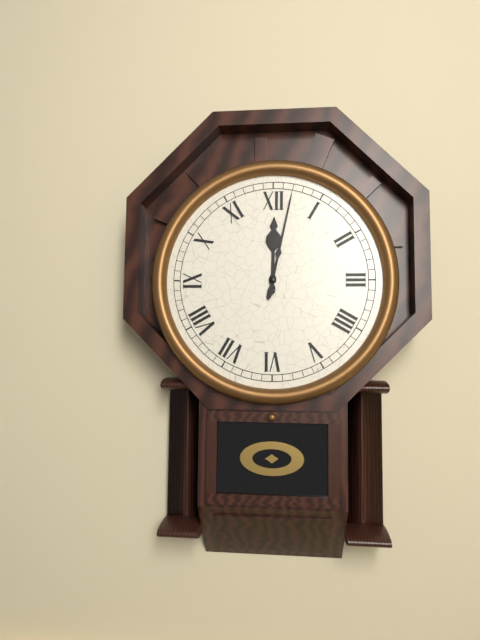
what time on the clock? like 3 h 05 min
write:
12 h 02 min
